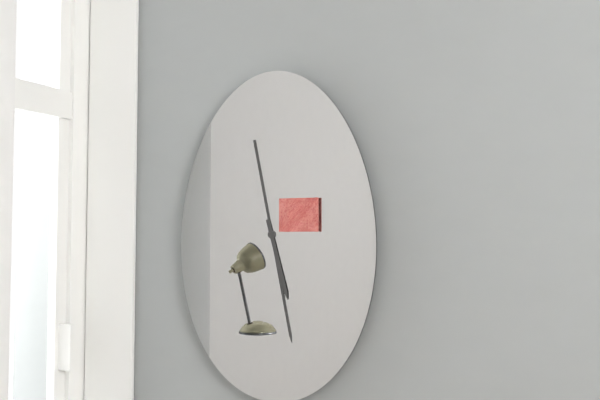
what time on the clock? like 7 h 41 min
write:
5 h 28 min
